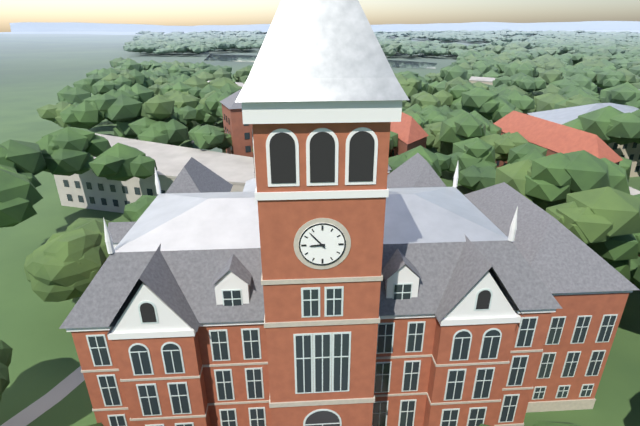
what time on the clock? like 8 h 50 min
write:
8 h 53 min
